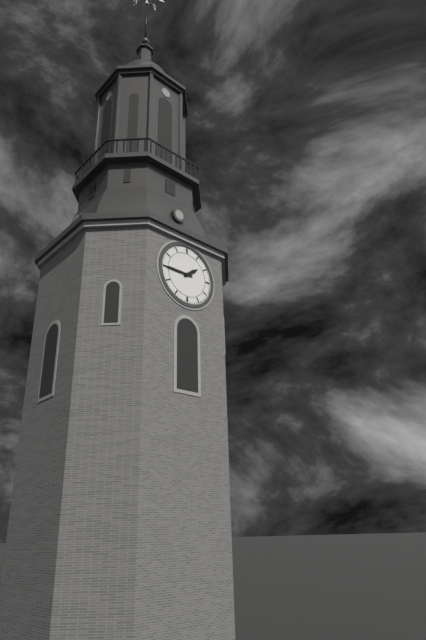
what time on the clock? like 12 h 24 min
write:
1 h 45 min
